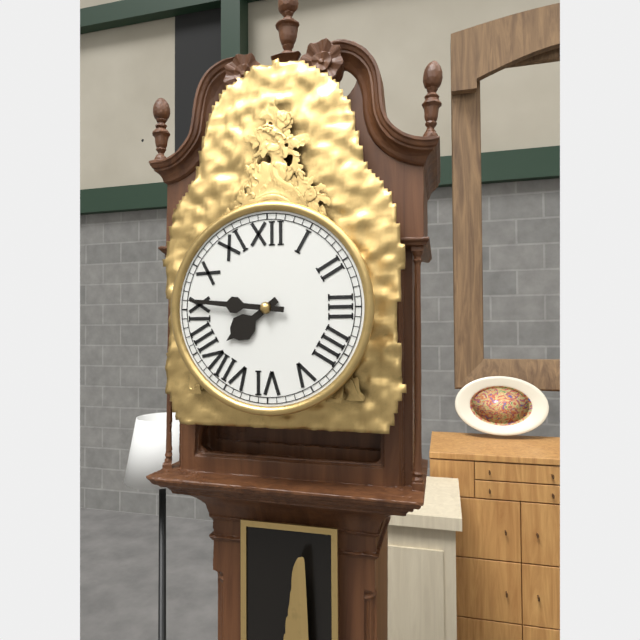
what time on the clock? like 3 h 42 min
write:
7 h 46 min
